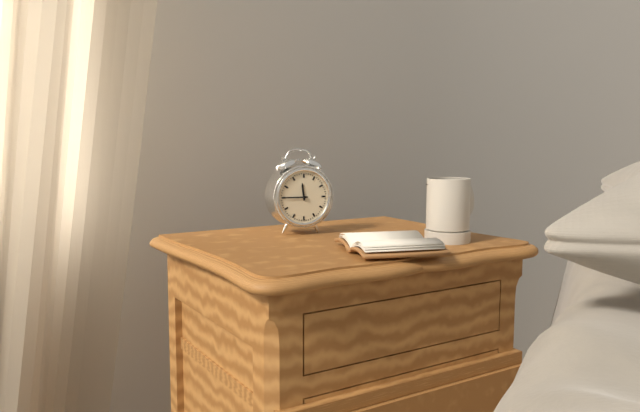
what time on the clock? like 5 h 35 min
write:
11 h 45 min
